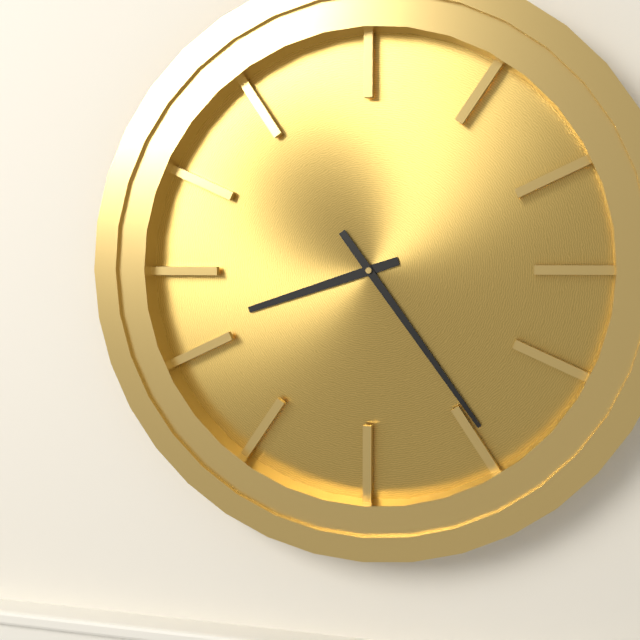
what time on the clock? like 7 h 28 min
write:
8 h 24 min
